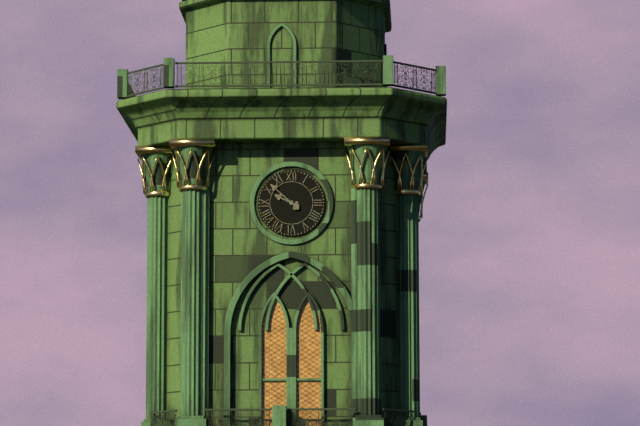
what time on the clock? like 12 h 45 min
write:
9 h 52 min
